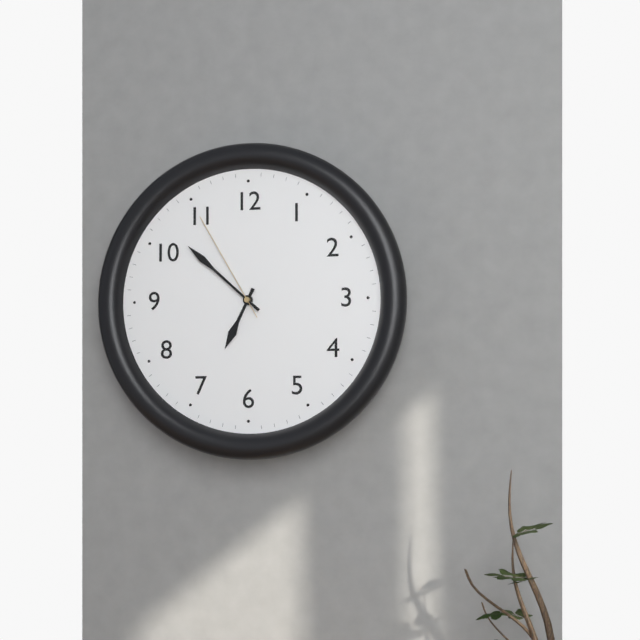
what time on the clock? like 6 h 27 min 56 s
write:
6 h 52 min 55 s
